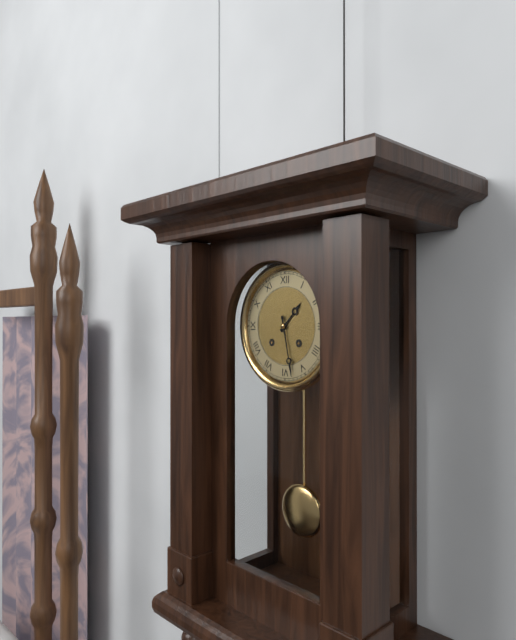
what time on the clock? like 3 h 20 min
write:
1 h 28 min
